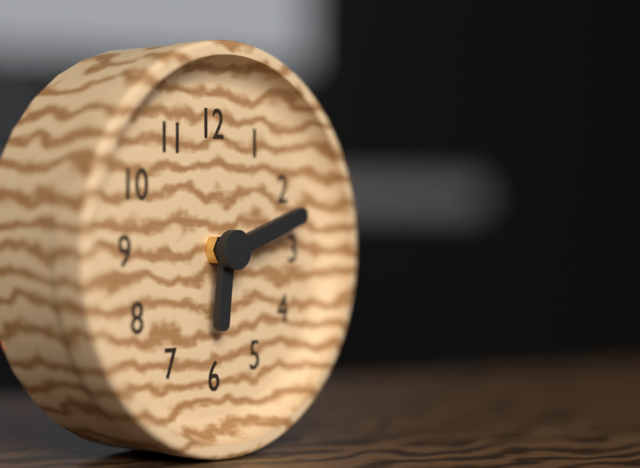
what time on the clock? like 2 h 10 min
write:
6 h 12 min
